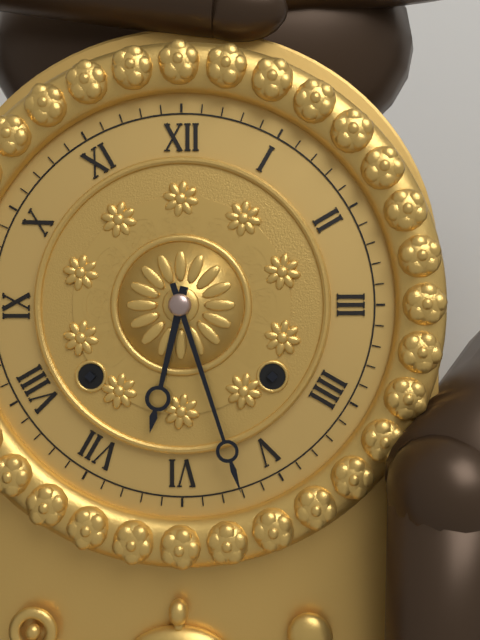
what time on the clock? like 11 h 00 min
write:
6 h 27 min
